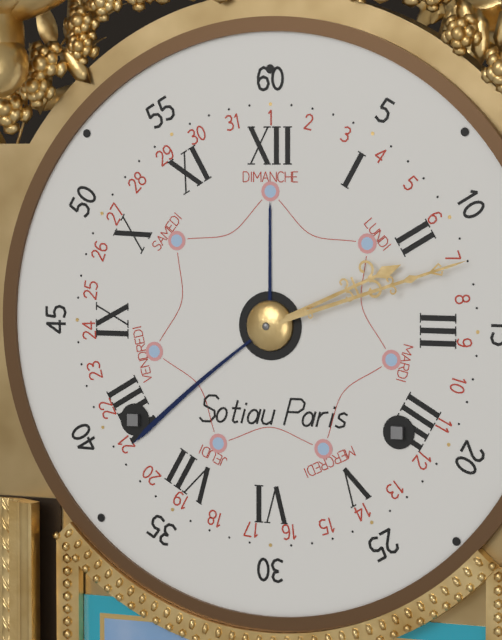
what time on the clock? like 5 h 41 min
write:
2 h 12 min
